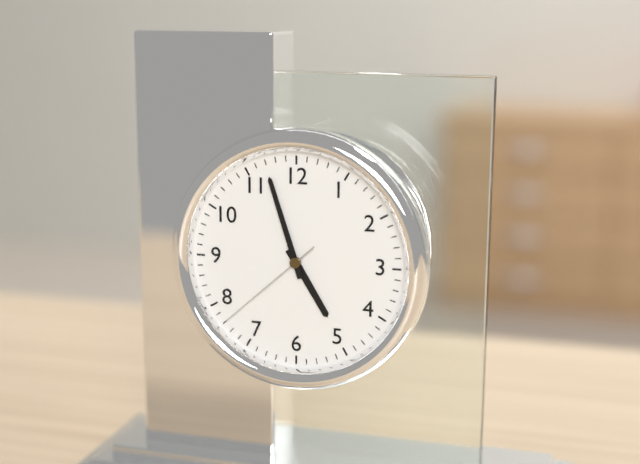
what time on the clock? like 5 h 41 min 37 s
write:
4 h 57 min 38 s
